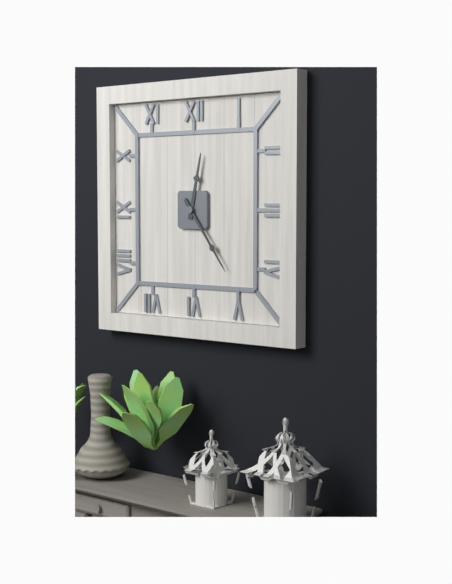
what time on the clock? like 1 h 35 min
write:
12 h 24 min
